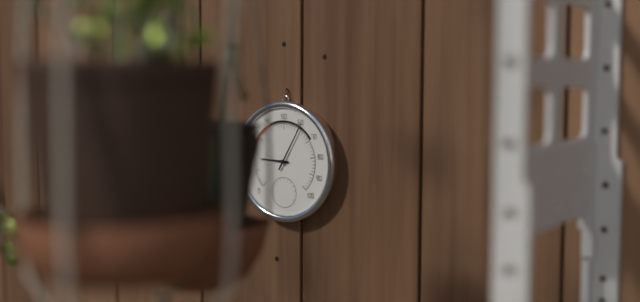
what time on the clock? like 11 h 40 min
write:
9 h 05 min
